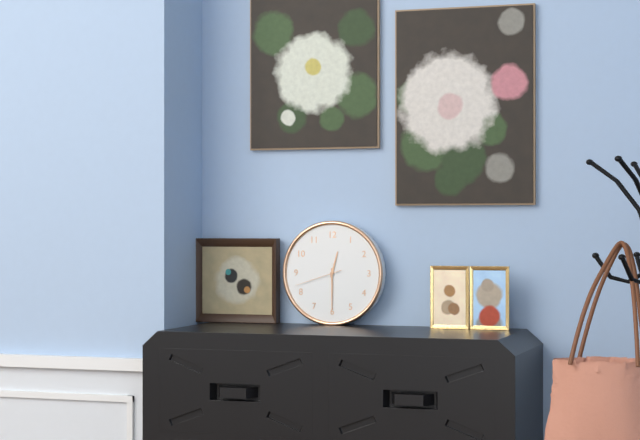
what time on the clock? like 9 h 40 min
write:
12 h 30 min
